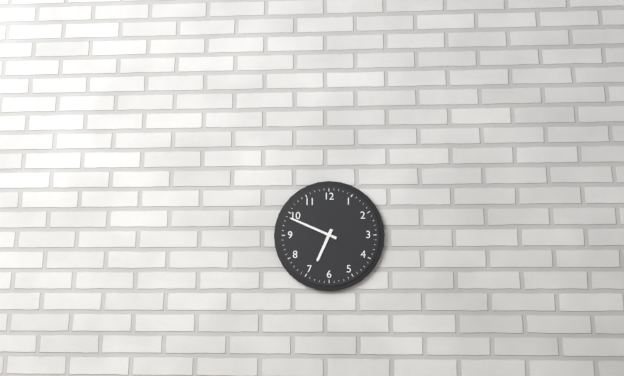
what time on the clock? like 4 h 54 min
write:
6 h 49 min
